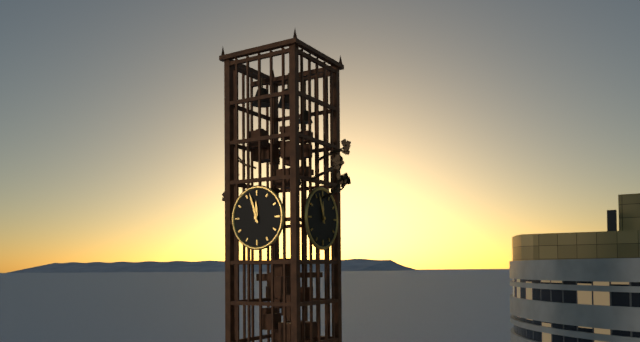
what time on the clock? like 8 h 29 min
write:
11 h 57 min
